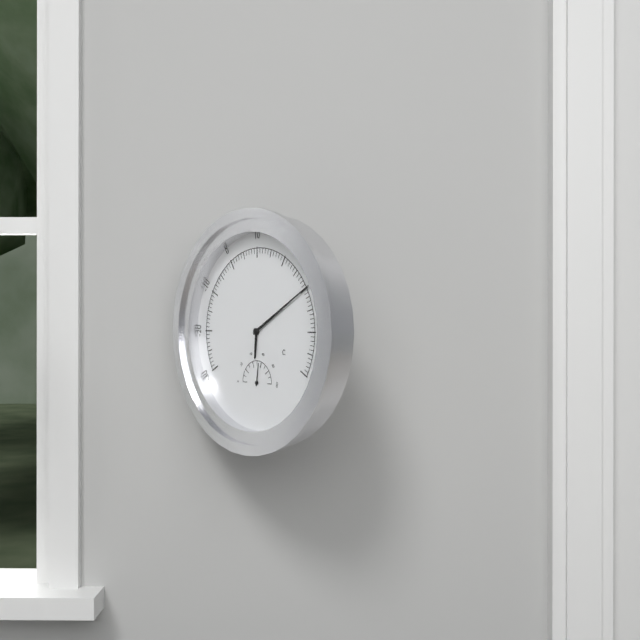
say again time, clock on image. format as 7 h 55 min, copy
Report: 6 h 10 min
